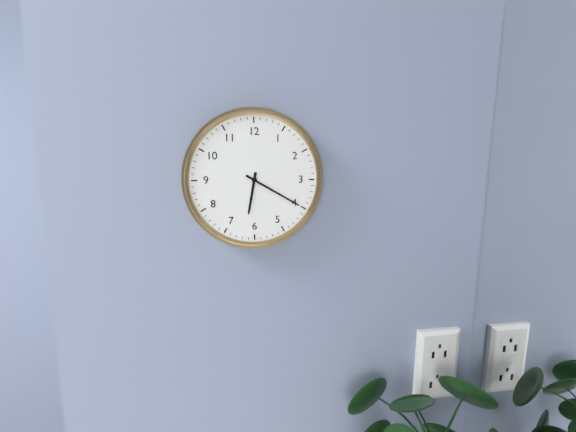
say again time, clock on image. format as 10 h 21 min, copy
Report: 6 h 20 min
